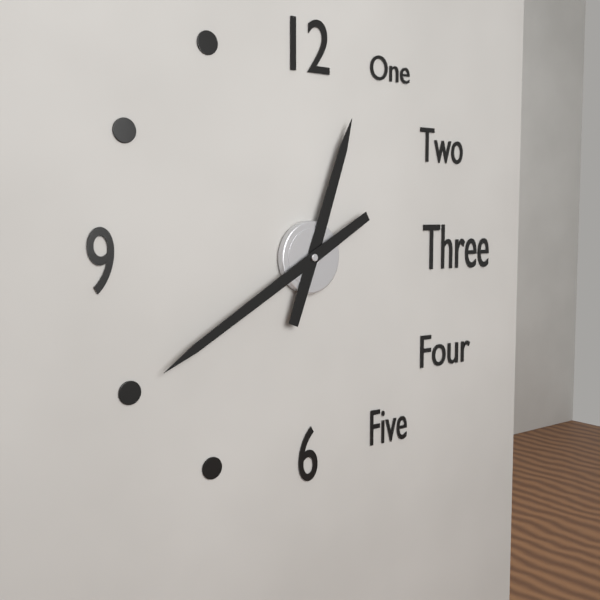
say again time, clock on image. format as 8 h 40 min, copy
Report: 12 h 40 min
